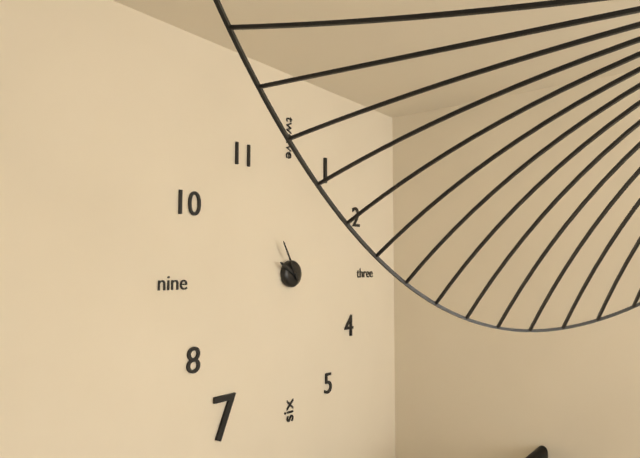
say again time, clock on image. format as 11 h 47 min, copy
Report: 9 h 55 min
